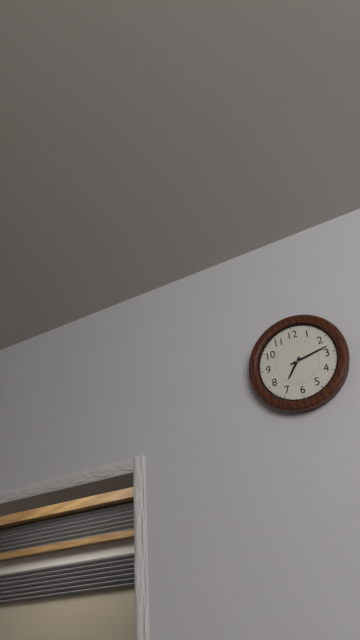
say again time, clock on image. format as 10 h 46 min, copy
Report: 7 h 13 min
